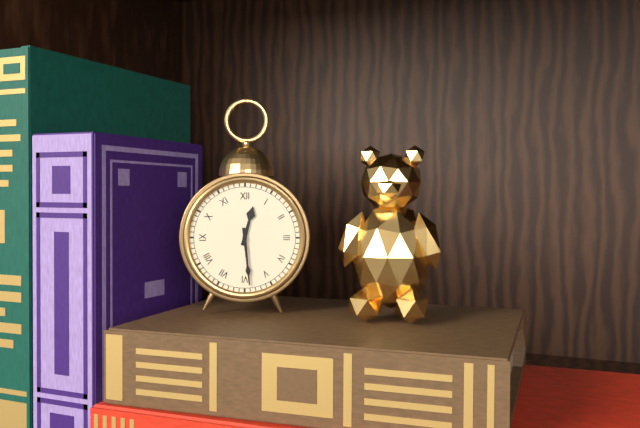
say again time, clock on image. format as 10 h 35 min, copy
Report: 12 h 29 min
